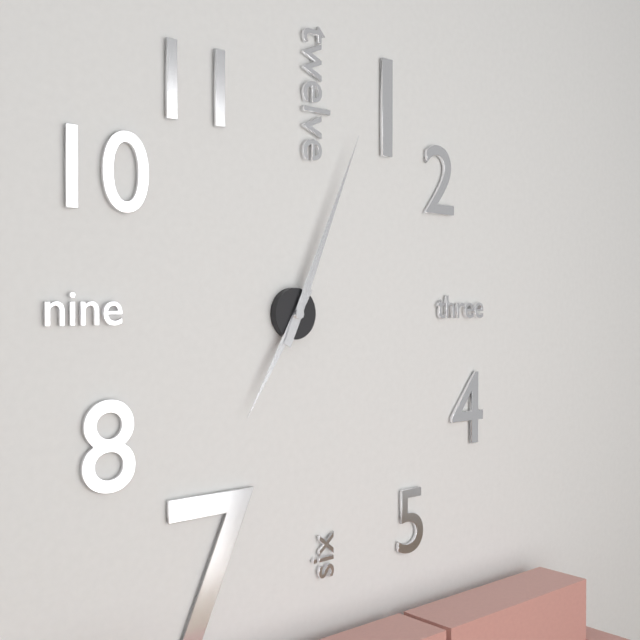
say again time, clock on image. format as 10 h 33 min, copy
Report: 7 h 04 min
